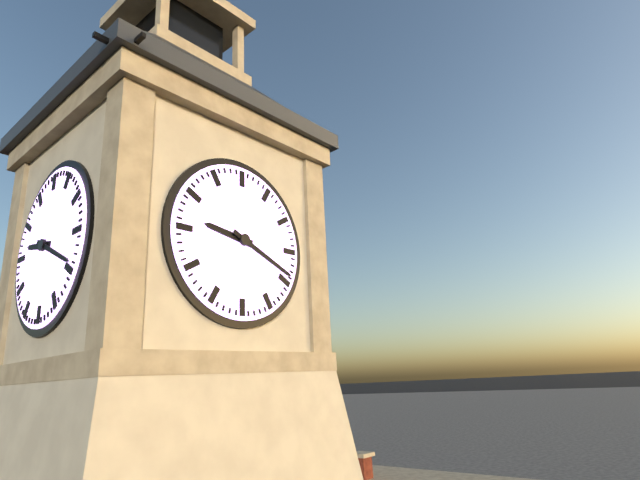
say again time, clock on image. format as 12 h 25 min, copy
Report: 9 h 19 min
